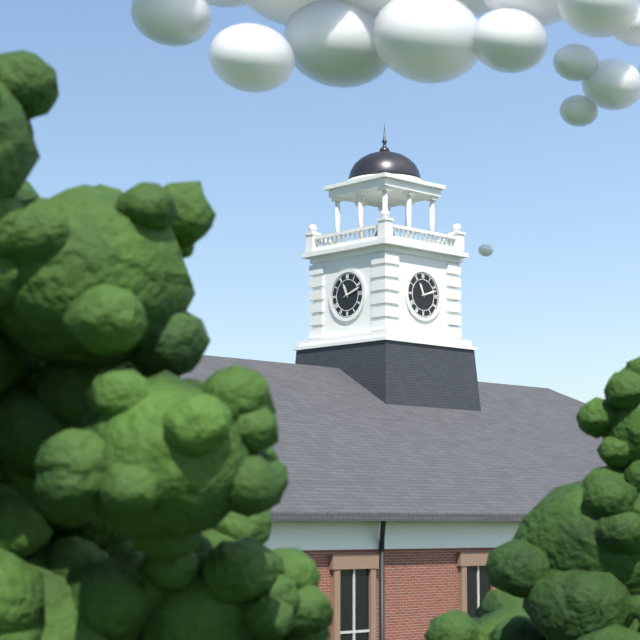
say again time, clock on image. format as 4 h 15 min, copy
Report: 11 h 12 min
